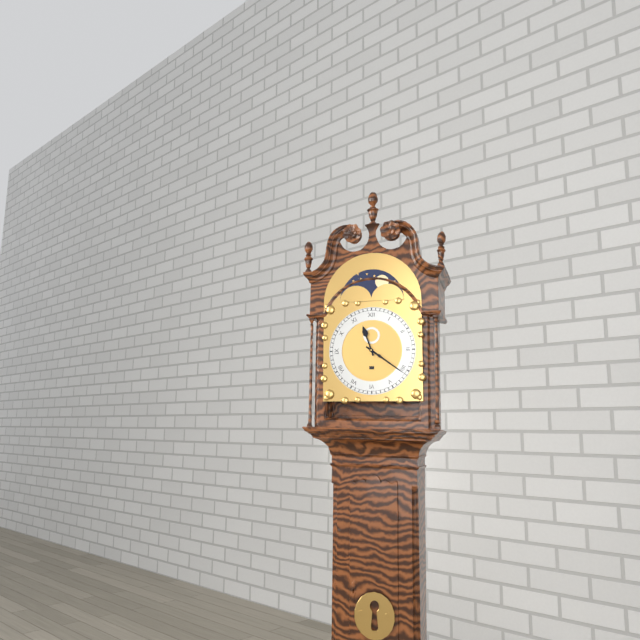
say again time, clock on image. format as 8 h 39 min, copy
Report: 11 h 21 min
